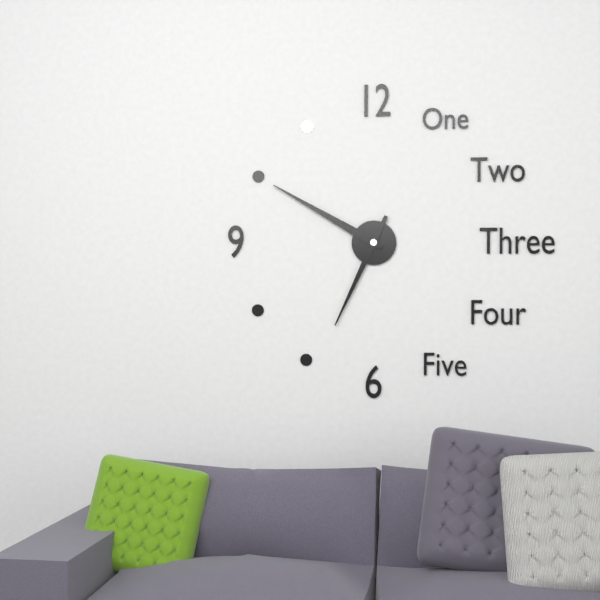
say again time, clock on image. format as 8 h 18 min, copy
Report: 6 h 50 min
